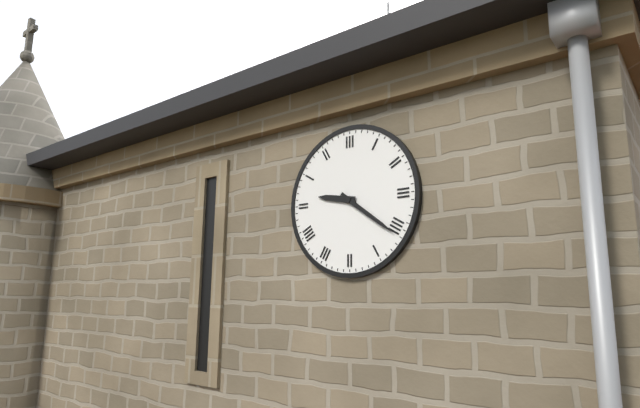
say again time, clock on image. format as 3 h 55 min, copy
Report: 9 h 21 min
